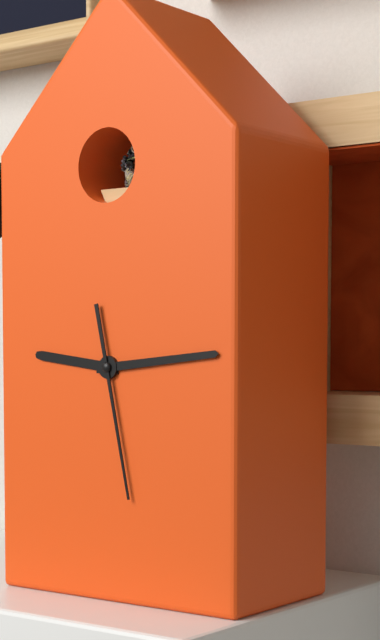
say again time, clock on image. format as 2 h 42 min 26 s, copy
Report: 9 h 14 min 28 s
